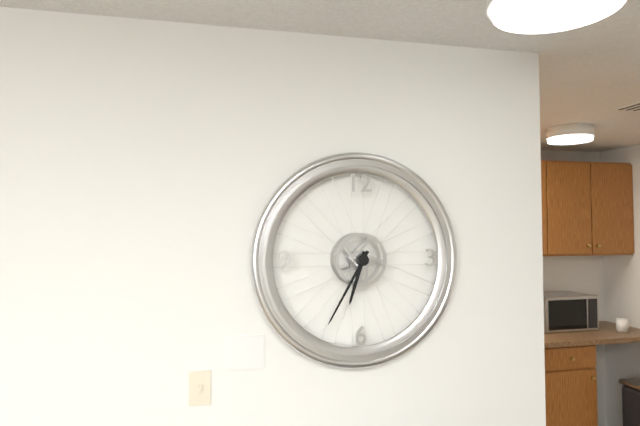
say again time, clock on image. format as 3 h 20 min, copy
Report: 6 h 35 min
